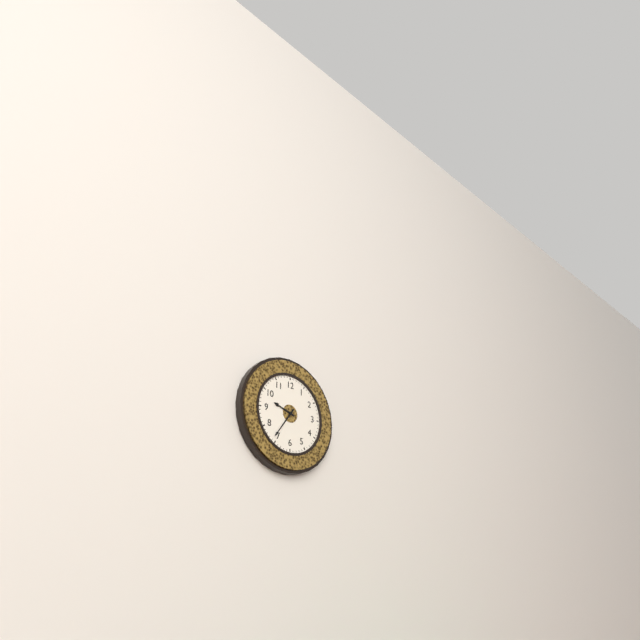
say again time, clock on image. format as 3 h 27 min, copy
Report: 9 h 36 min
